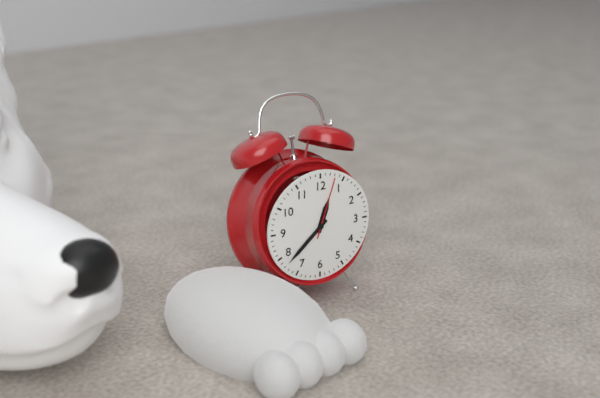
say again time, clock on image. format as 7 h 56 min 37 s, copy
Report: 12 h 38 min 03 s
